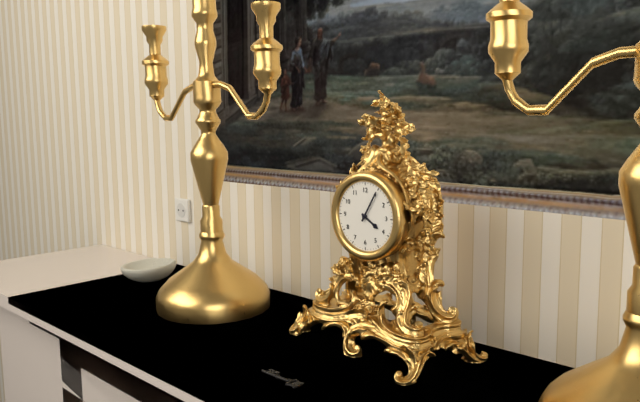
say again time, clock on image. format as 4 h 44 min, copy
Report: 4 h 05 min
